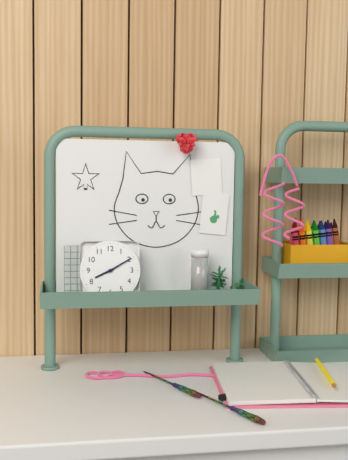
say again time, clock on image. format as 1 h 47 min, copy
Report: 8 h 10 min
